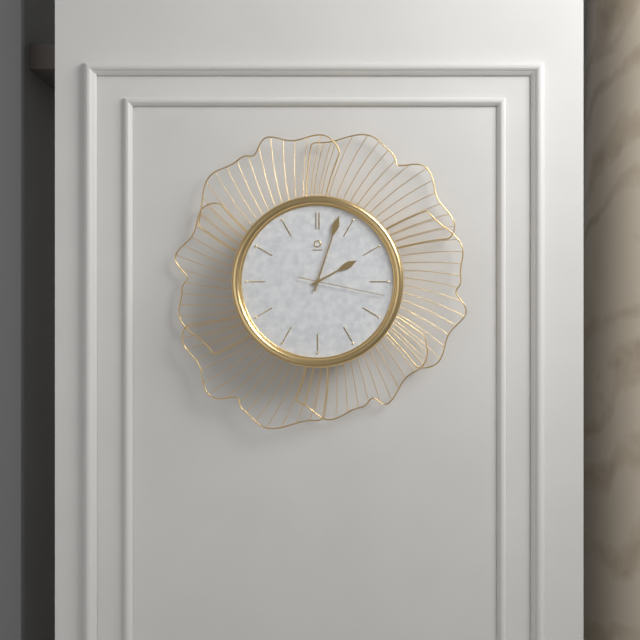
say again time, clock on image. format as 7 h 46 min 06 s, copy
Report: 2 h 03 min 17 s
